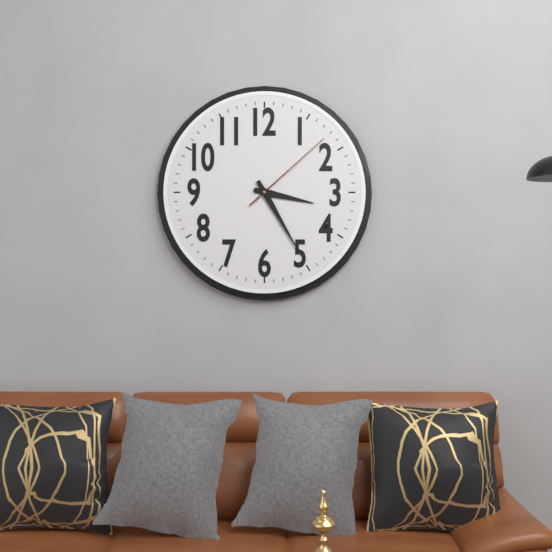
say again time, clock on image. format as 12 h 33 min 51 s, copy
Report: 3 h 25 min 08 s
